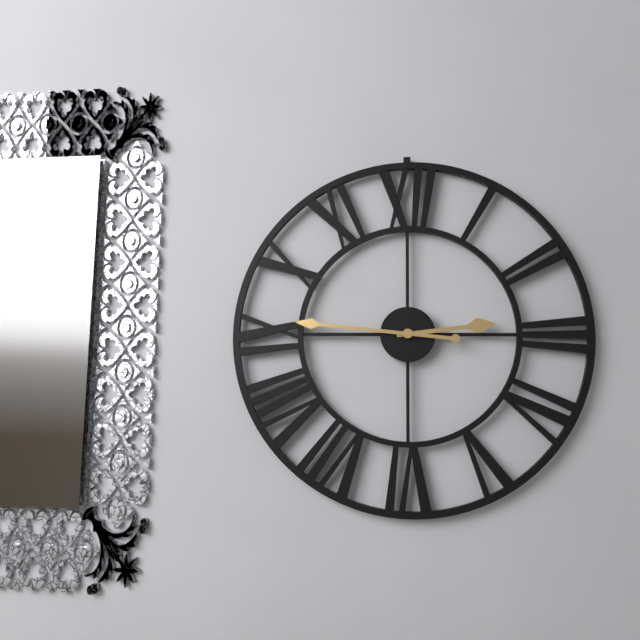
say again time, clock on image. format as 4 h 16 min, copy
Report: 2 h 46 min
